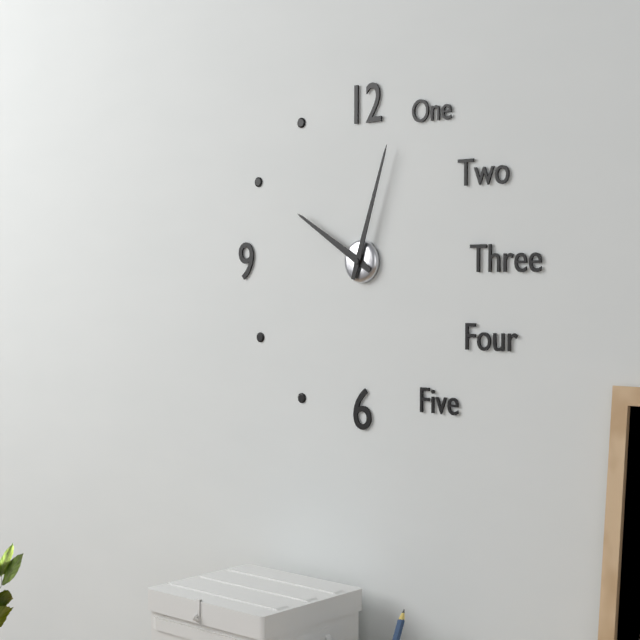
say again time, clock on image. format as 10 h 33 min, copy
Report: 10 h 03 min
